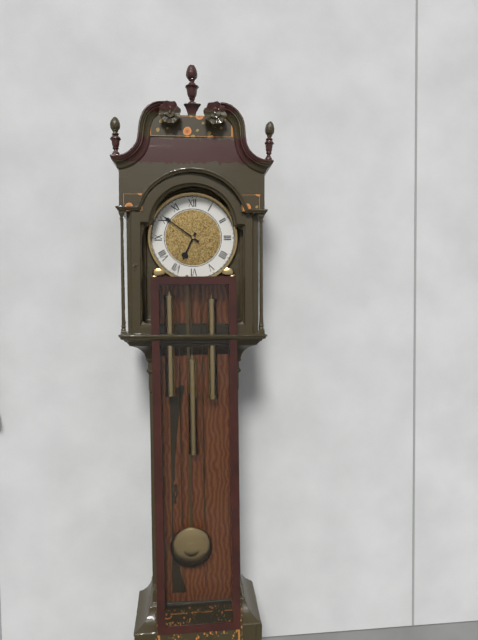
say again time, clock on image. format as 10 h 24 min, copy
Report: 6 h 51 min
